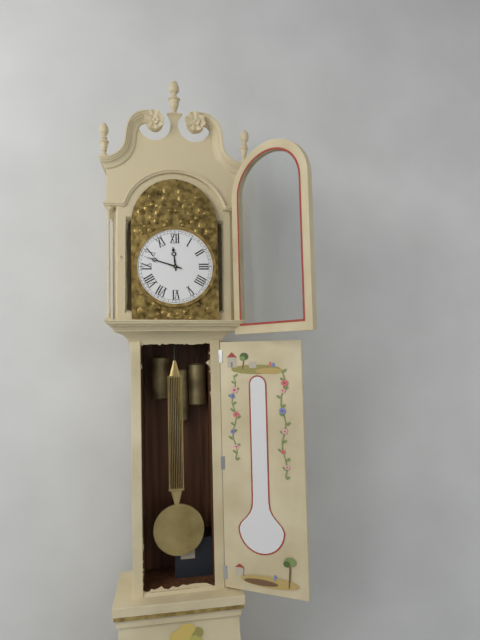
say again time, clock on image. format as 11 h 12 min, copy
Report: 11 h 48 min
